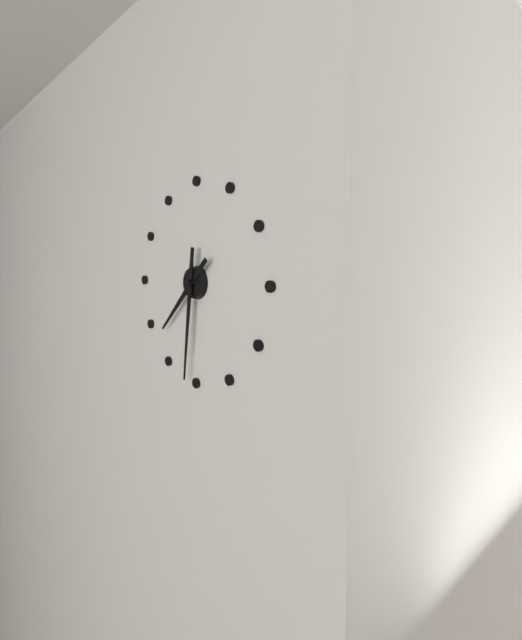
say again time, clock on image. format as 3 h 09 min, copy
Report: 7 h 31 min
